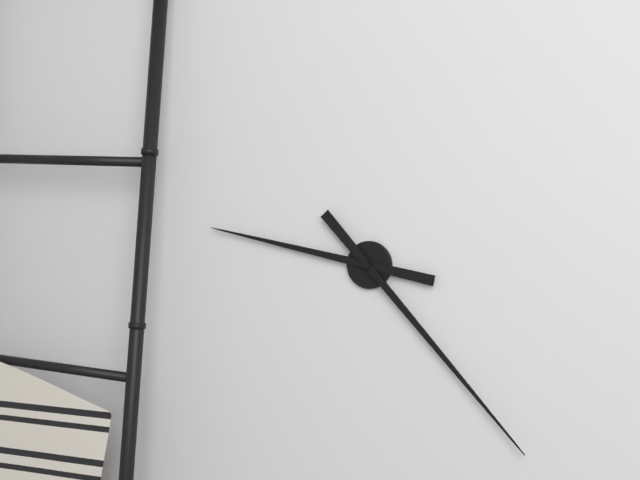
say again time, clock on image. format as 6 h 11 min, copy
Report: 9 h 23 min
